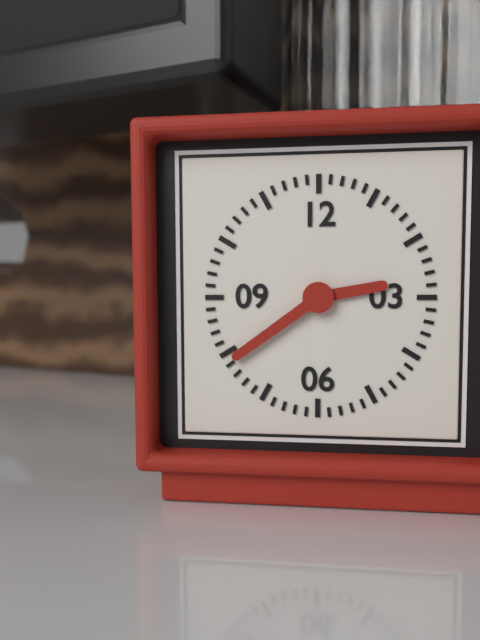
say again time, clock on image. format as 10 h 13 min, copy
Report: 2 h 39 min
